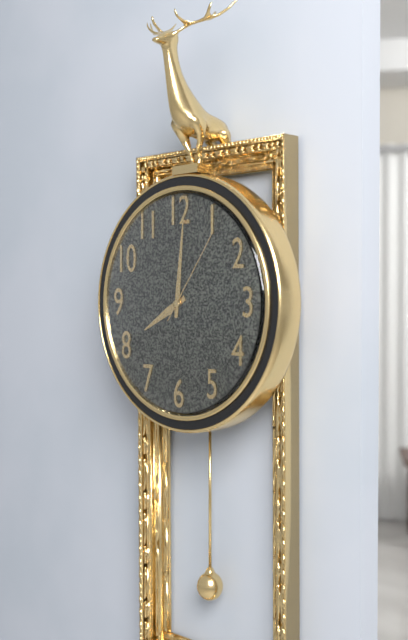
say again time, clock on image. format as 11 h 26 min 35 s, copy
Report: 8 h 01 min 06 s
